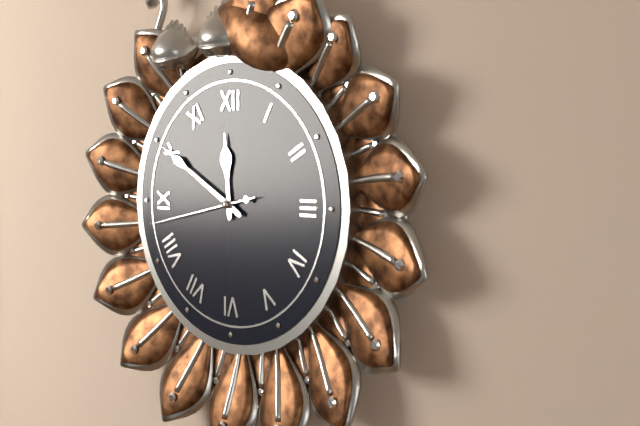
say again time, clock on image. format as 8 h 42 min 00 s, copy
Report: 11 h 50 min 43 s
